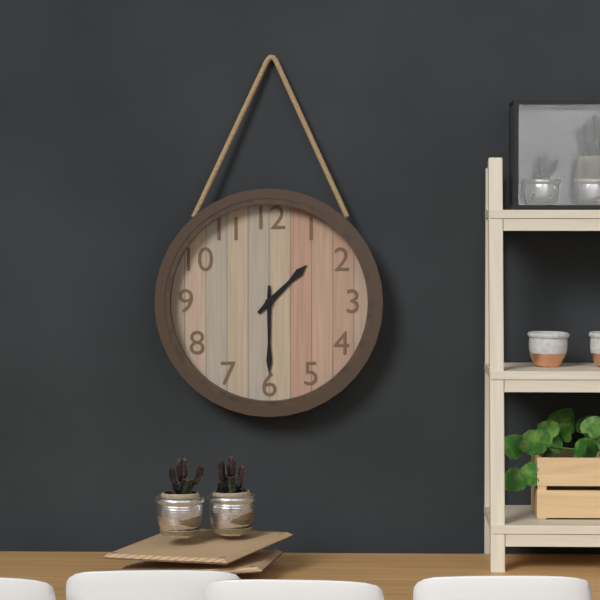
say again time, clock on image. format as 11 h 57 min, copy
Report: 1 h 30 min
